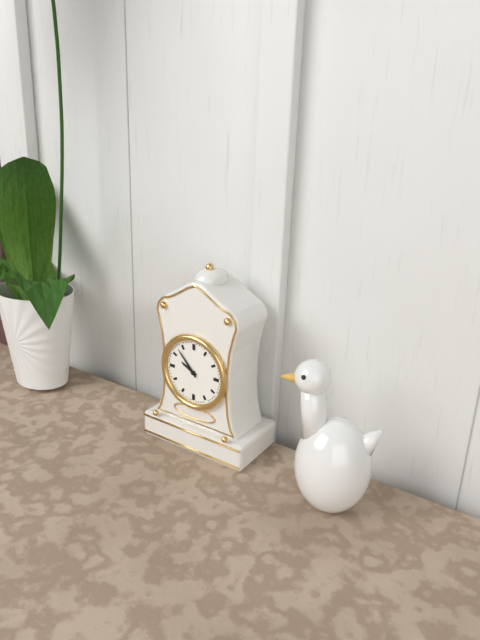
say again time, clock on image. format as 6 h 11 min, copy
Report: 9 h 53 min
